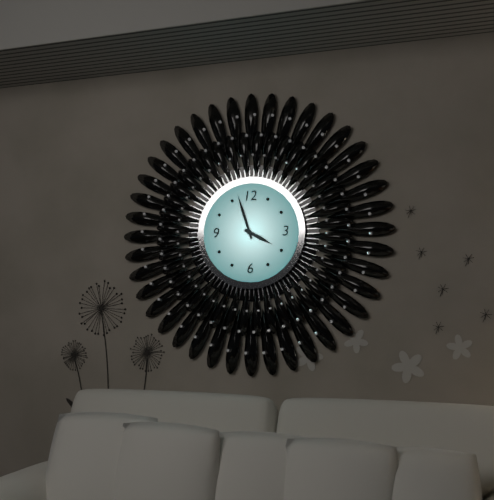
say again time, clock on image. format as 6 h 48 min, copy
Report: 3 h 57 min
